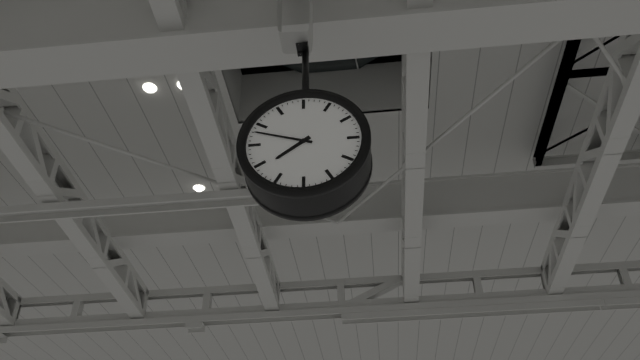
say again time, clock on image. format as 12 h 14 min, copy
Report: 7 h 48 min
